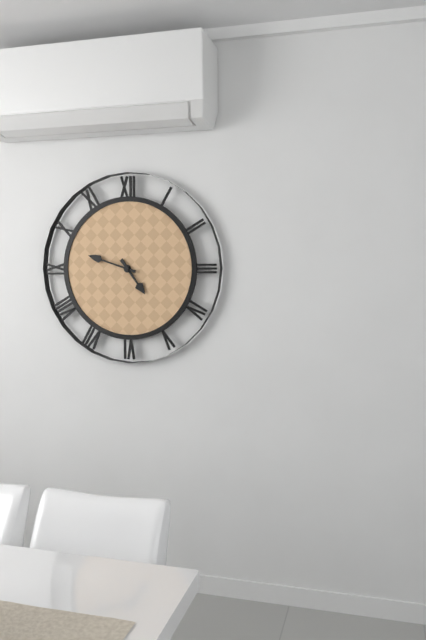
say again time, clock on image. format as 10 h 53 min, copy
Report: 4 h 48 min
